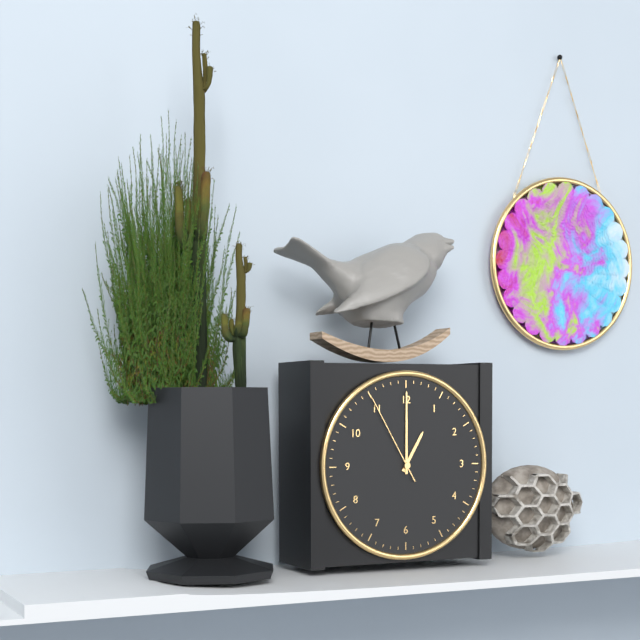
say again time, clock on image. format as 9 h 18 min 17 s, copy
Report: 1 h 00 min 55 s
